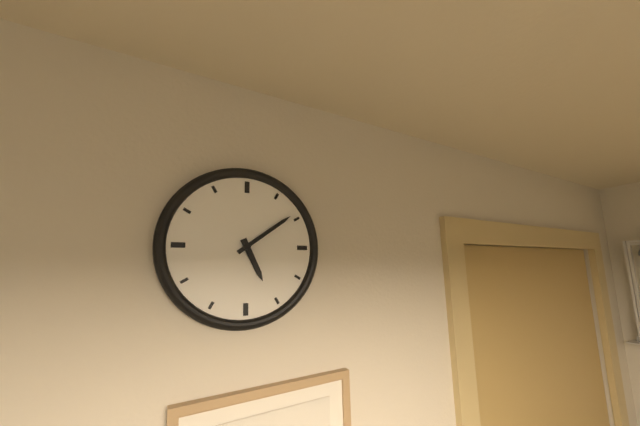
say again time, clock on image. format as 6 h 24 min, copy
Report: 5 h 09 min
